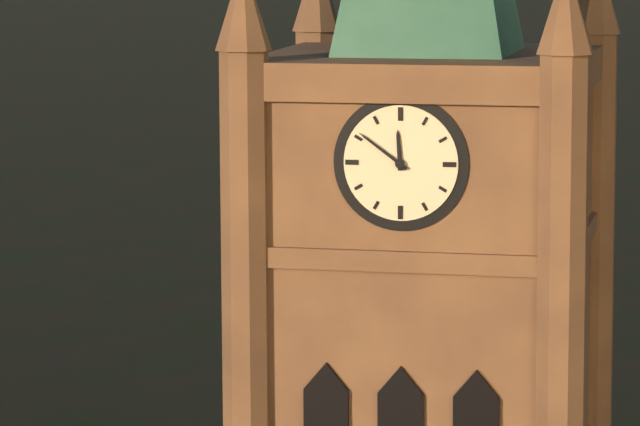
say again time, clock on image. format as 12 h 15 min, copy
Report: 11 h 51 min
